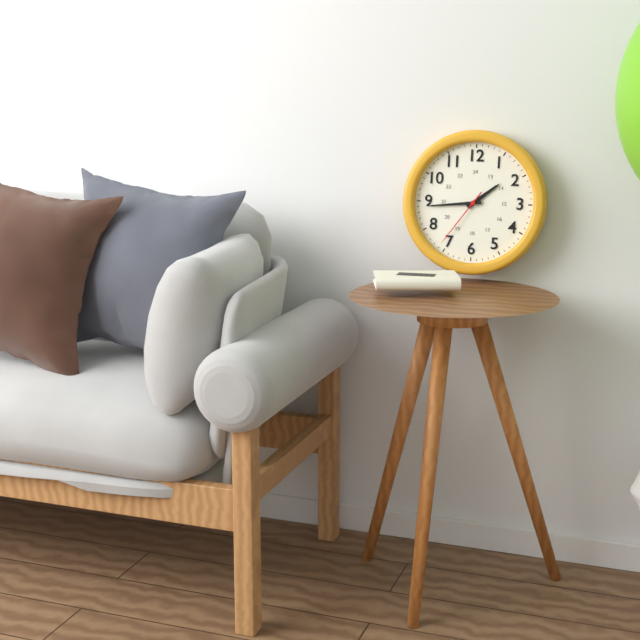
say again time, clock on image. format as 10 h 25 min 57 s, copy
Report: 1 h 44 min 36 s
